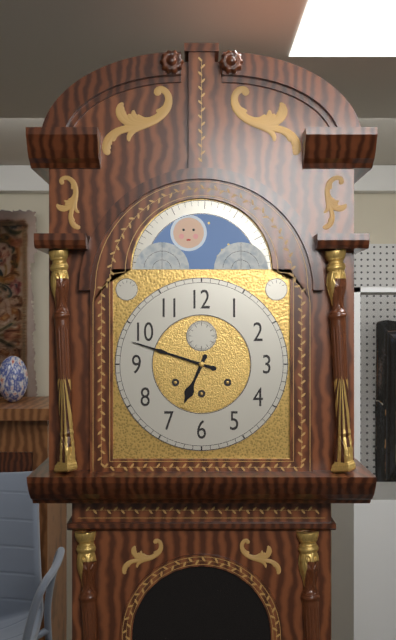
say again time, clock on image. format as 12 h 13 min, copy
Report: 6 h 48 min
